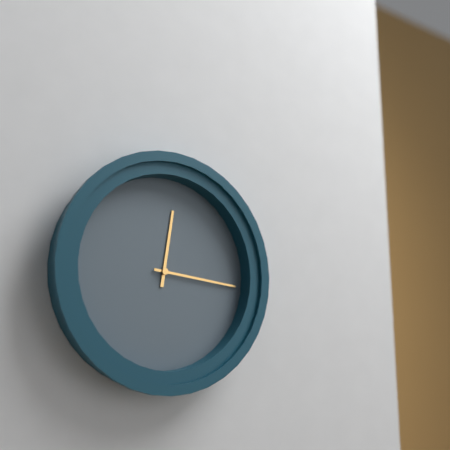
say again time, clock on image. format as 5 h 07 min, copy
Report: 12 h 16 min
